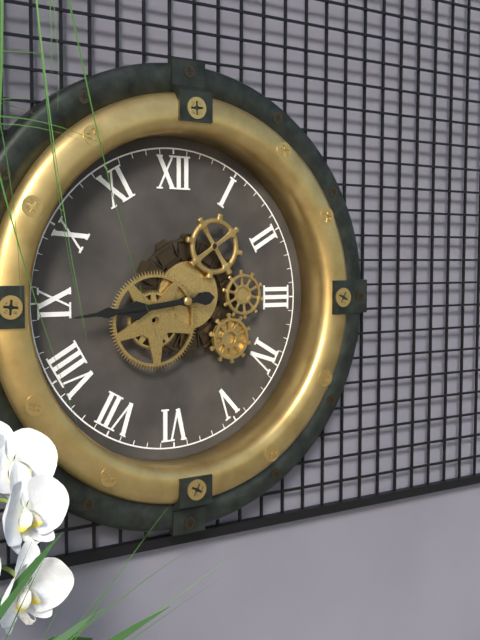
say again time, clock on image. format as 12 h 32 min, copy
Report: 8 h 44 min
